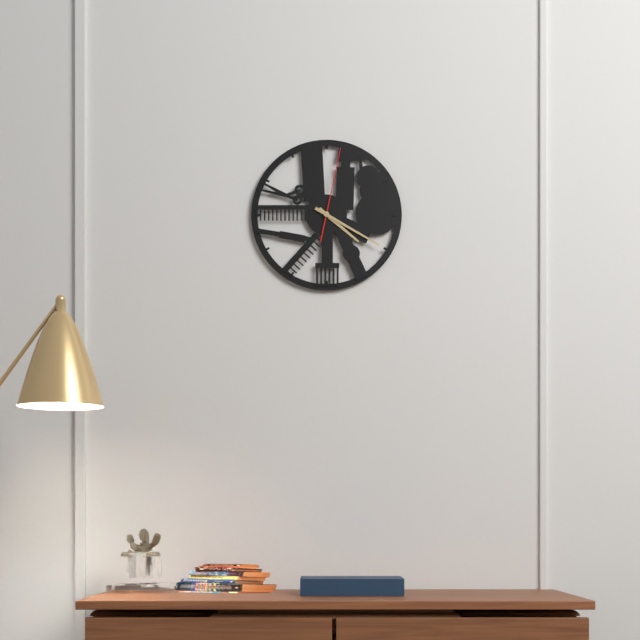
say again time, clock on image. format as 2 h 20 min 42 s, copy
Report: 4 h 20 min 02 s
